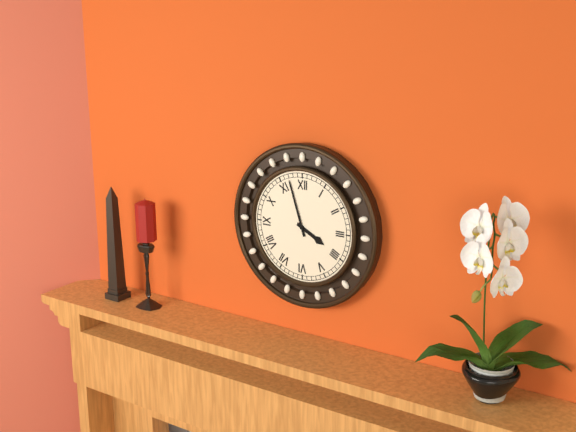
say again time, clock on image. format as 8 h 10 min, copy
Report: 3 h 57 min
